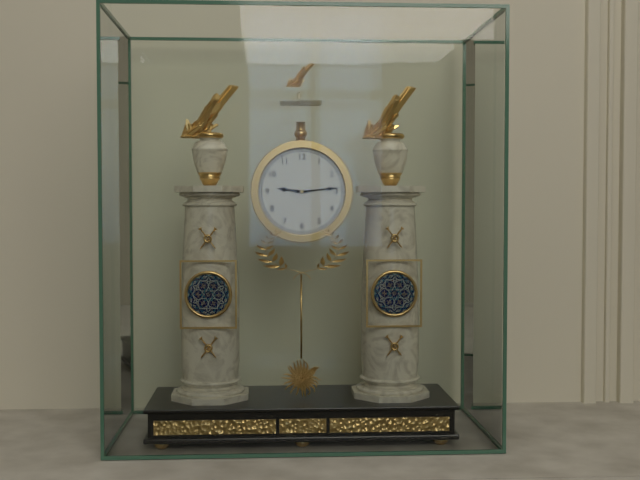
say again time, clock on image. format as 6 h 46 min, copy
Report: 9 h 14 min
